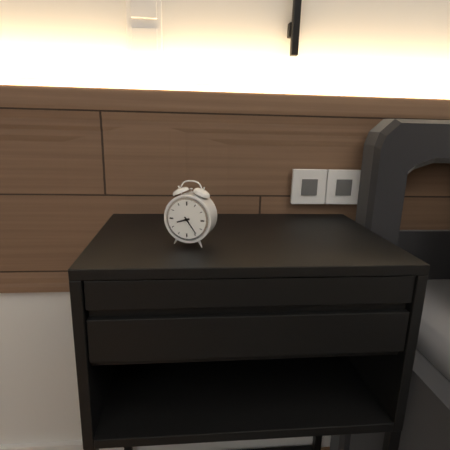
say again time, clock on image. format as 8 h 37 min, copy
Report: 8 h 24 min
